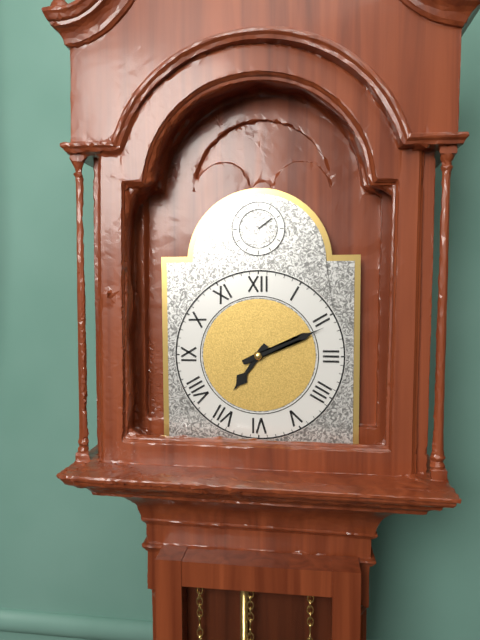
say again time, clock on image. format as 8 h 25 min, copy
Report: 7 h 11 min
